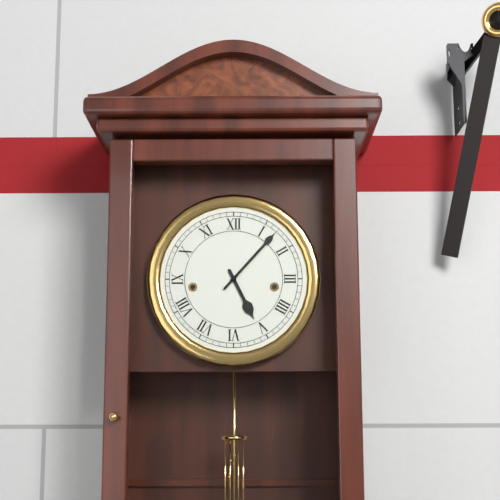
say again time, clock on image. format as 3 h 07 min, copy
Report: 5 h 07 min
